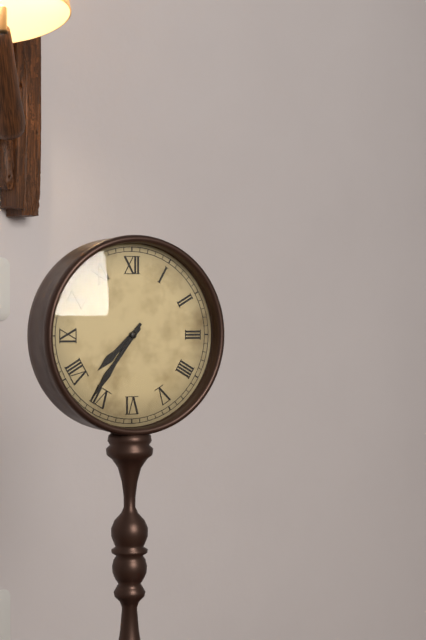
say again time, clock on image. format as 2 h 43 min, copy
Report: 7 h 36 min
